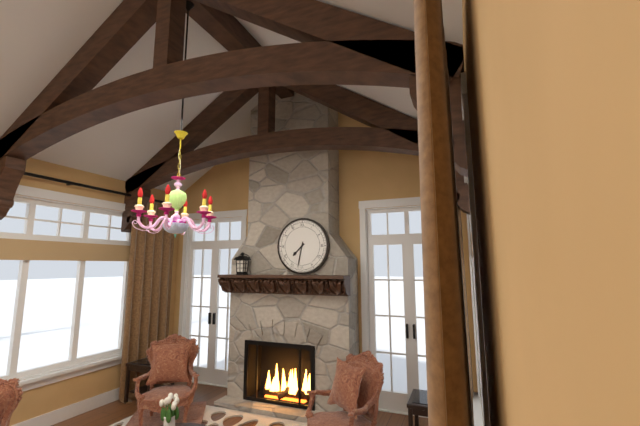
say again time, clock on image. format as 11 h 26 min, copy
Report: 7 h 32 min
